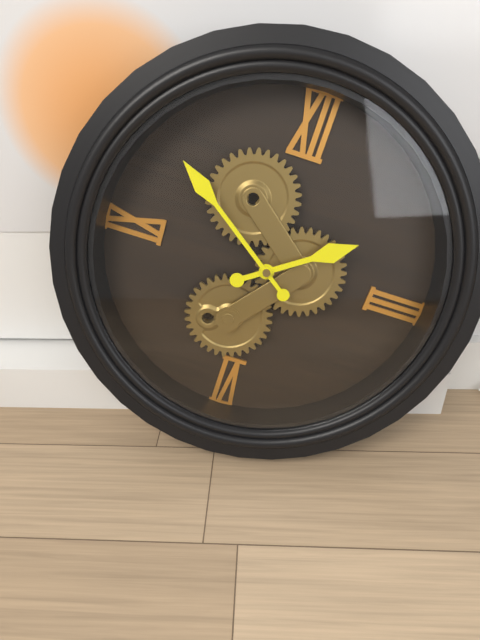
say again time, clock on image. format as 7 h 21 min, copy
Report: 1 h 51 min
